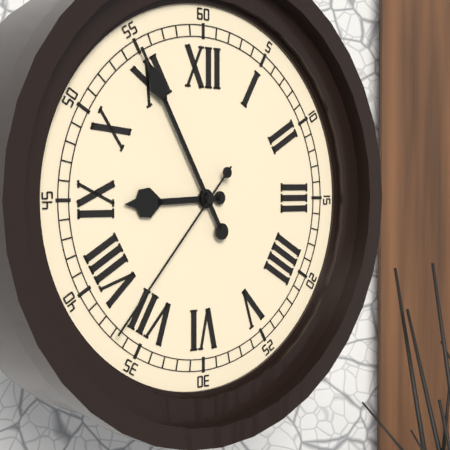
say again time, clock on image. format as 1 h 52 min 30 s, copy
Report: 8 h 55 min 37 s
